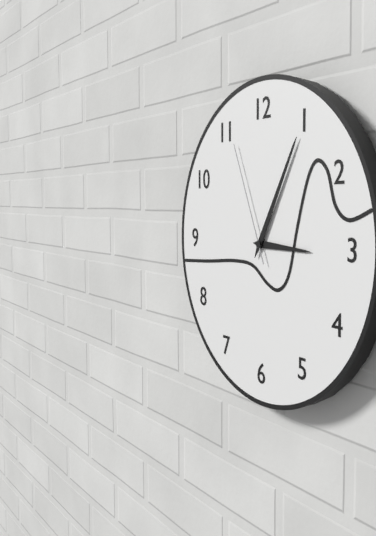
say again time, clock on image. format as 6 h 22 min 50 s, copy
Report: 3 h 05 min 56 s
